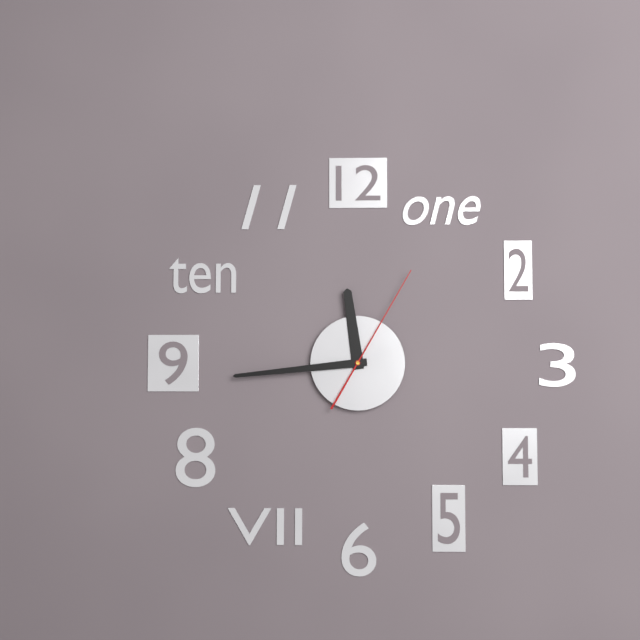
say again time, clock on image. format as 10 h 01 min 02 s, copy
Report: 11 h 44 min 05 s
